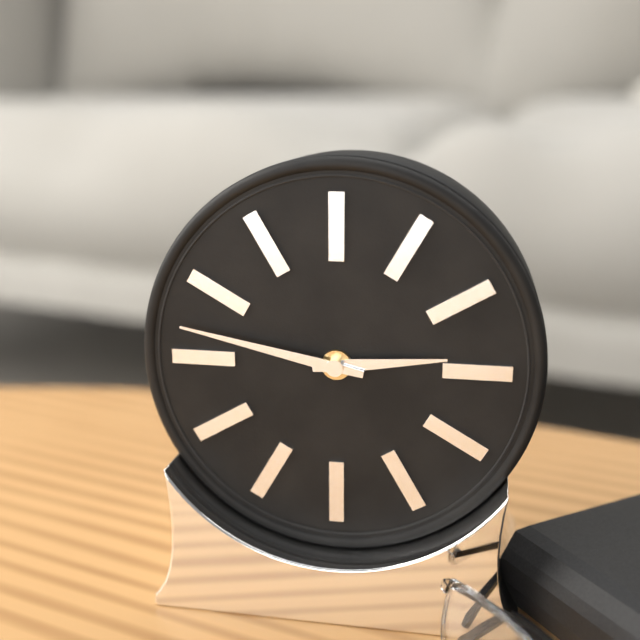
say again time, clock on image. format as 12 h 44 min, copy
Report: 2 h 47 min
